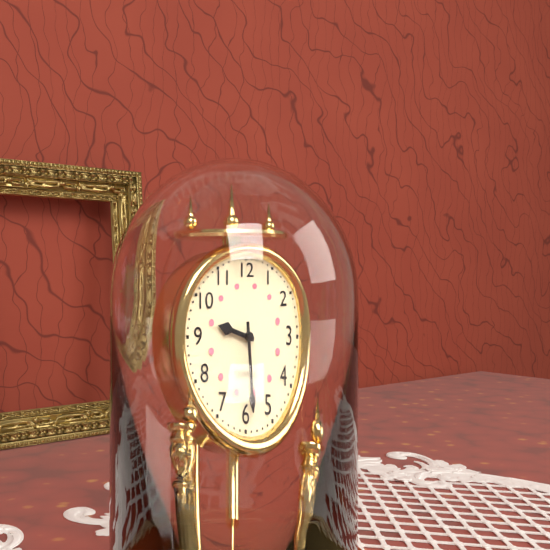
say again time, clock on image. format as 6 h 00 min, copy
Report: 9 h 29 min
